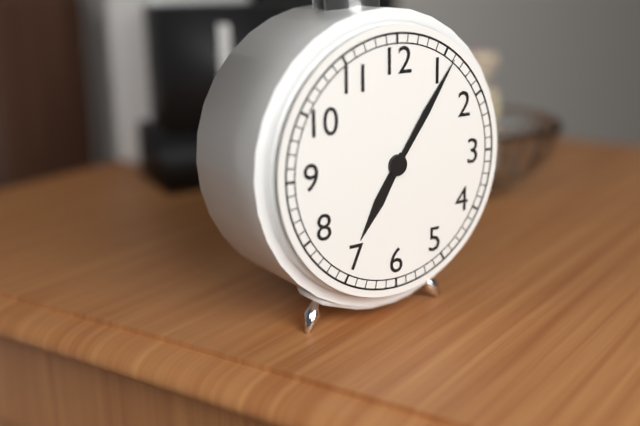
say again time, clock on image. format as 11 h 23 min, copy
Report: 7 h 06 min
